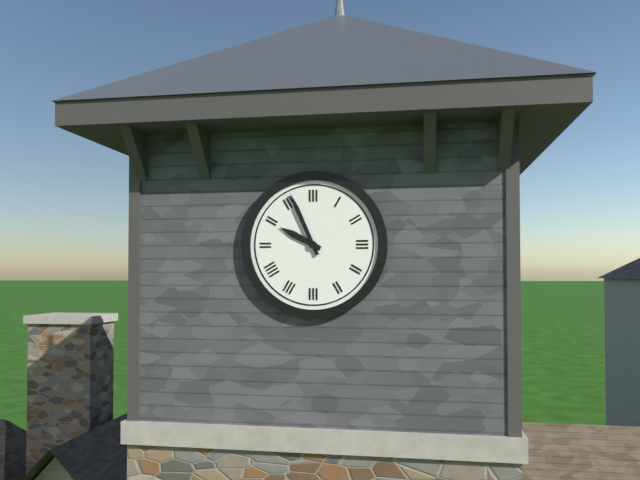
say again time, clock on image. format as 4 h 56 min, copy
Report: 9 h 56 min
